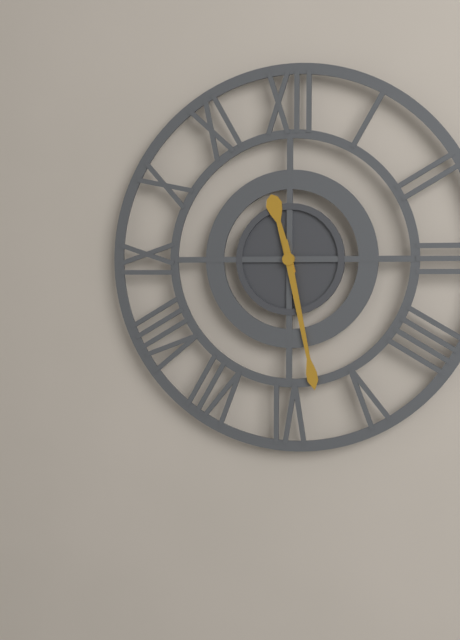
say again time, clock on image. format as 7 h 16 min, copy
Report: 11 h 28 min
